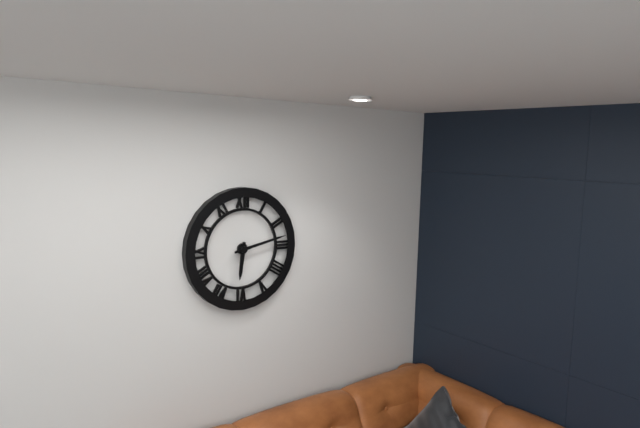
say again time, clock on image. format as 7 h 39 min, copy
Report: 6 h 13 min
